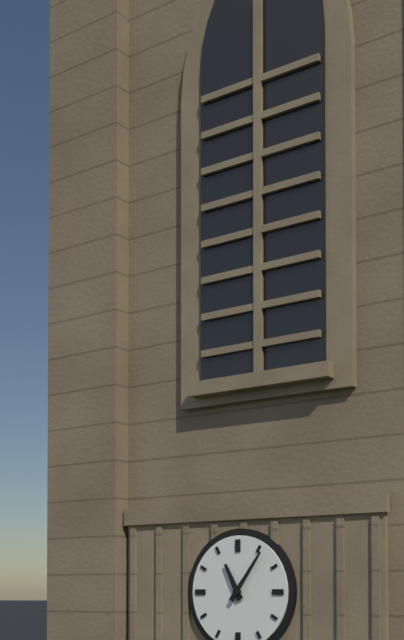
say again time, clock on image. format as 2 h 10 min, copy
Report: 11 h 06 min
